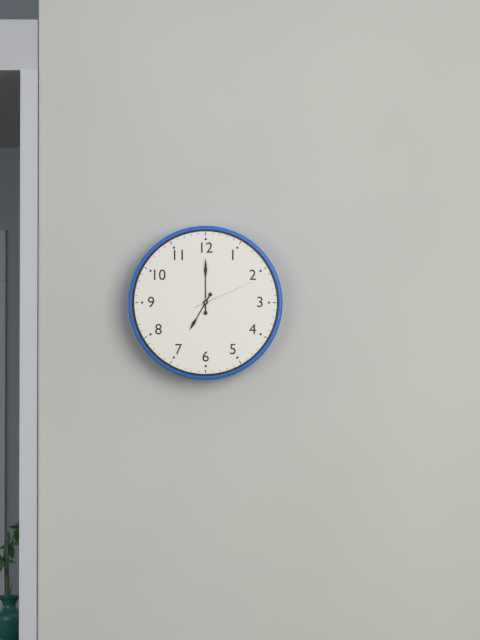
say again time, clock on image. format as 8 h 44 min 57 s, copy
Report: 7 h 00 min 11 s
